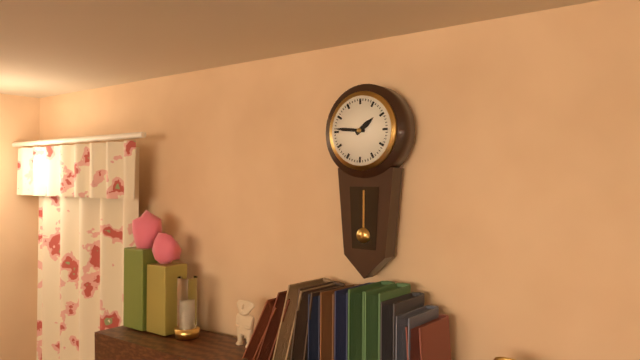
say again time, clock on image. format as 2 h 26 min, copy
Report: 1 h 46 min
